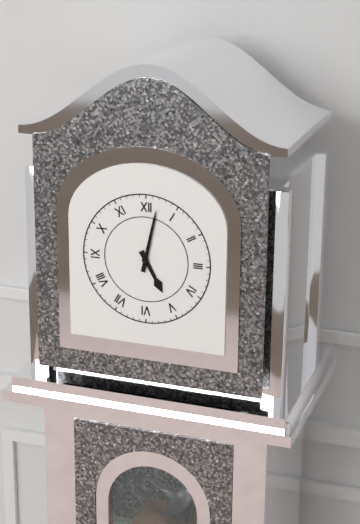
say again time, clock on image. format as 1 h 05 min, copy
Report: 5 h 02 min
